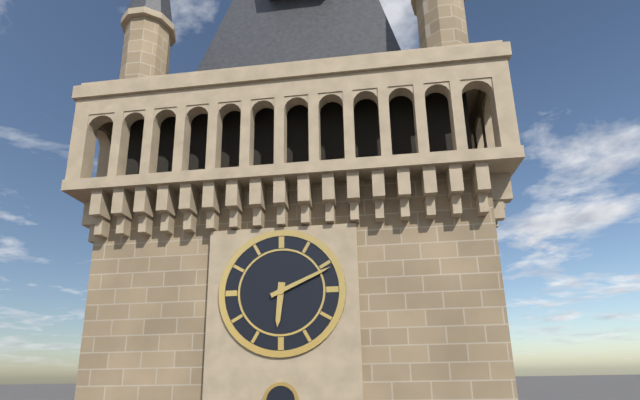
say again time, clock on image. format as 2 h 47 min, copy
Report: 6 h 11 min
